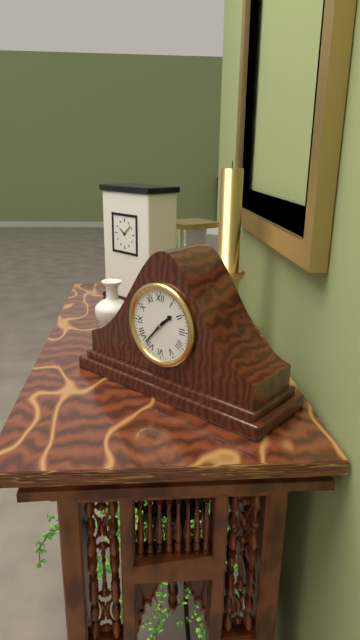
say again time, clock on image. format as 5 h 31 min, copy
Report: 1 h 37 min
